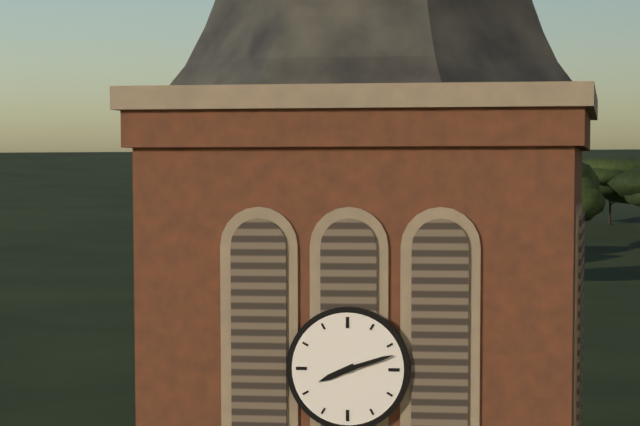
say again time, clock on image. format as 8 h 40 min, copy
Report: 8 h 12 min
